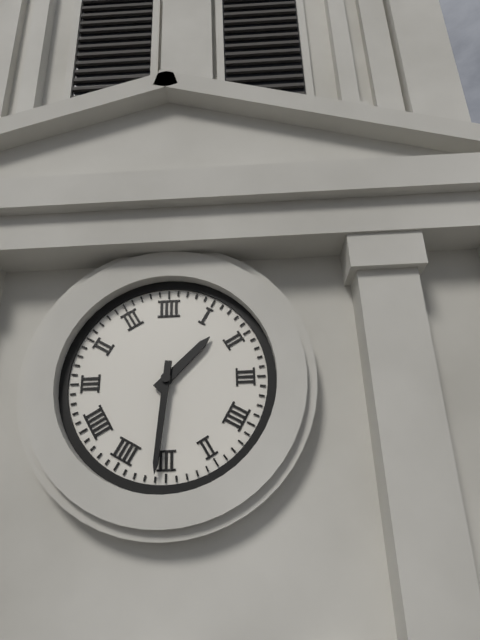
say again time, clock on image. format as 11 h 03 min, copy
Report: 1 h 31 min
